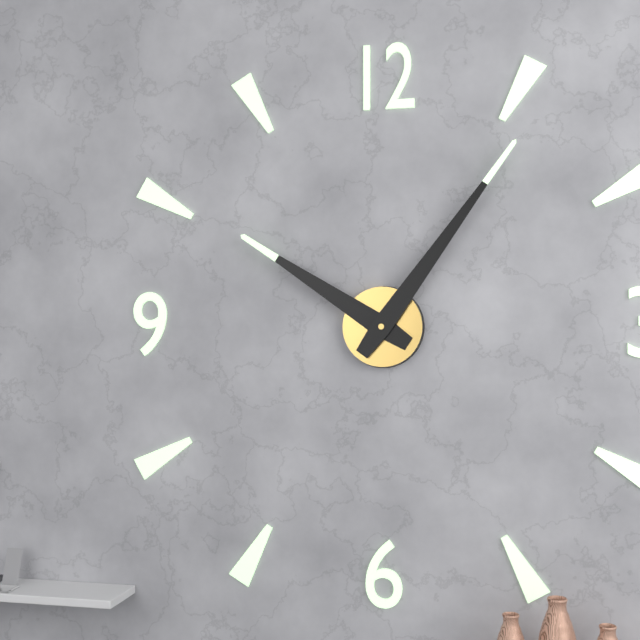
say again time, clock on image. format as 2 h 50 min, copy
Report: 10 h 06 min
